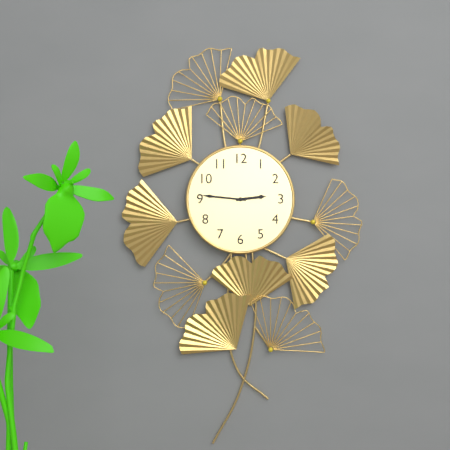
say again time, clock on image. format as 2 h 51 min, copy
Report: 2 h 46 min
